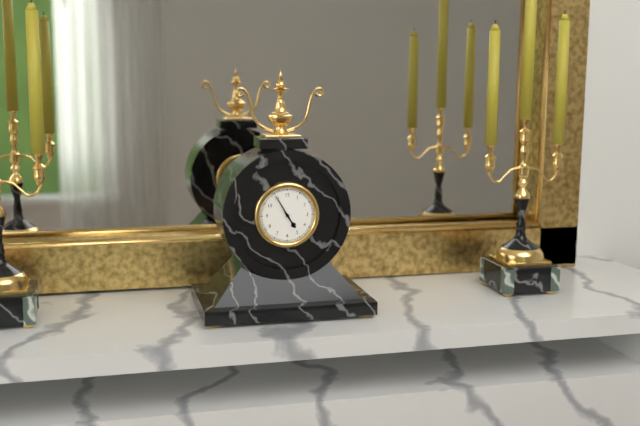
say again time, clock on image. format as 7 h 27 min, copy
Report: 4 h 55 min
